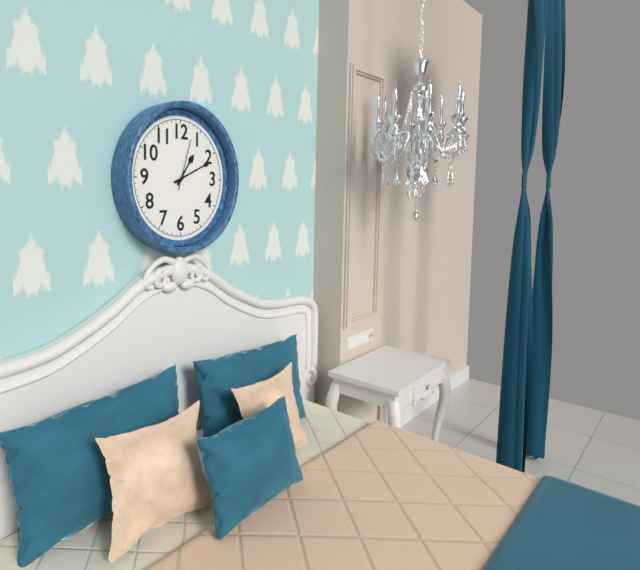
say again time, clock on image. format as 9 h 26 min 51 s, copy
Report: 1 h 11 min 03 s
